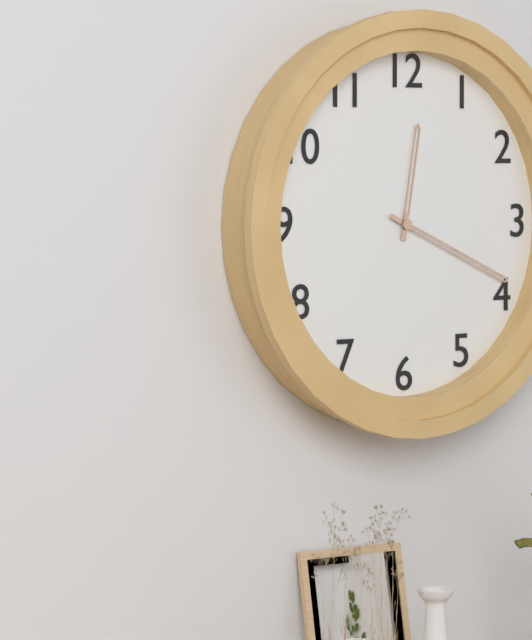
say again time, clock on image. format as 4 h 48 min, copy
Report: 12 h 19 min
